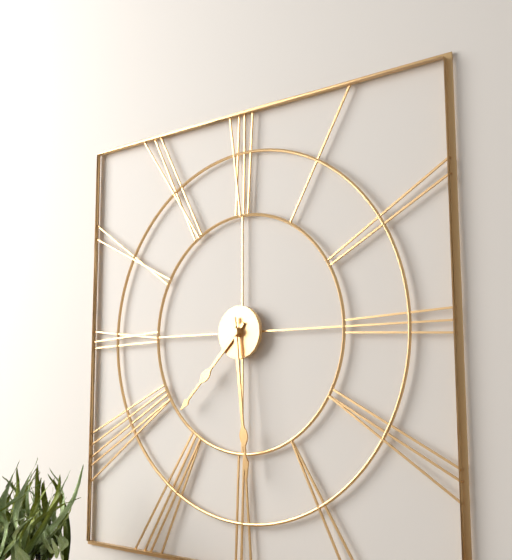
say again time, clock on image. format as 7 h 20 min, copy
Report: 7 h 29 min
